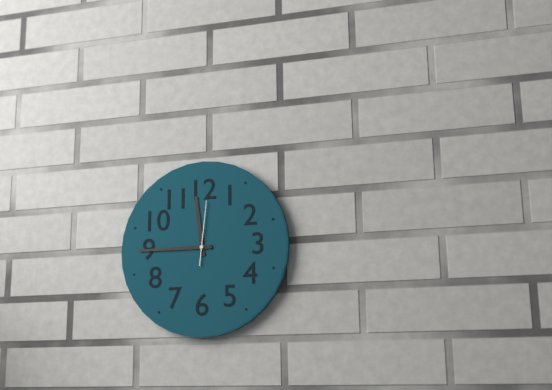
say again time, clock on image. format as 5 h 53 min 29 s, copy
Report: 11 h 45 min 01 s
